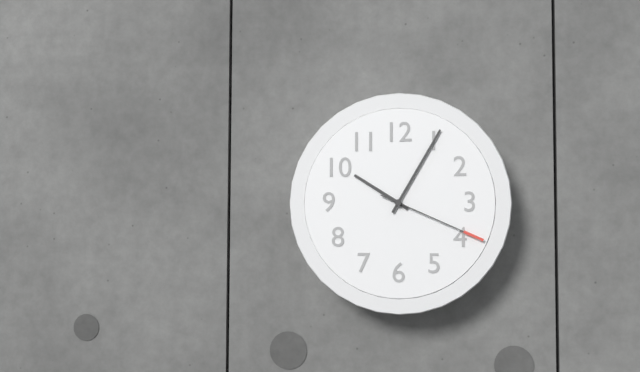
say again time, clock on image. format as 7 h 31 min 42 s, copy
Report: 10 h 05 min 19 s
